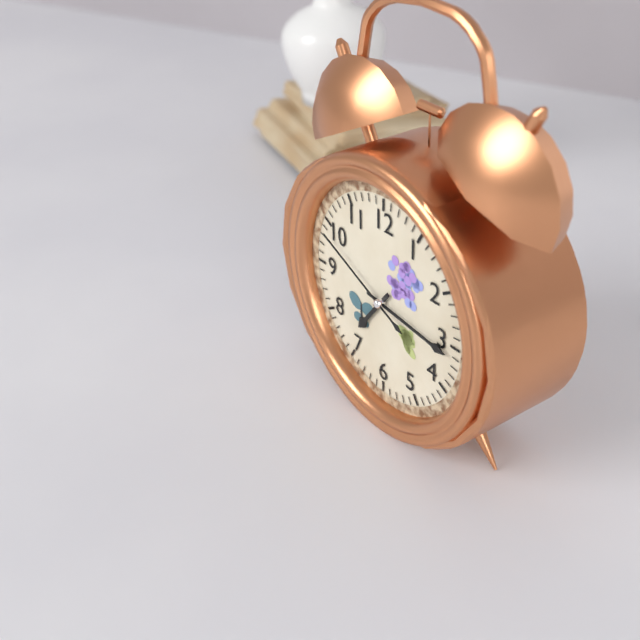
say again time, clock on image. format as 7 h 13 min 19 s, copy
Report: 7 h 16 min 49 s
